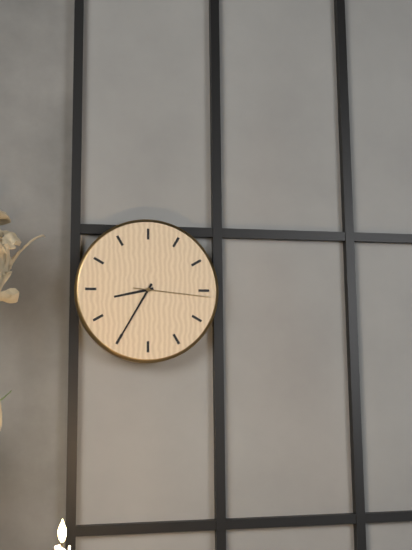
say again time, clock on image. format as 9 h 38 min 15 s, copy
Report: 8 h 35 min 16 s
